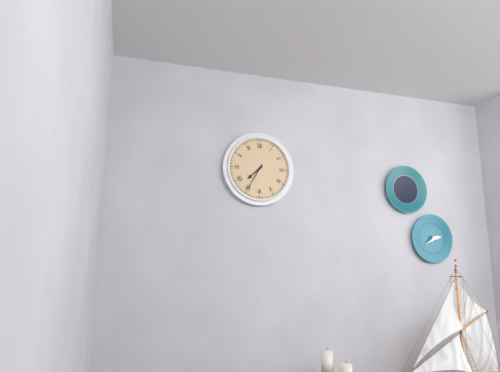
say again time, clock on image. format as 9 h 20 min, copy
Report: 7 h 35 min
